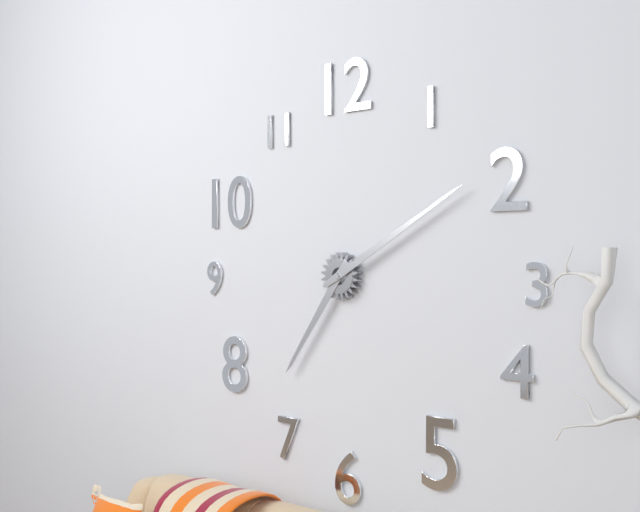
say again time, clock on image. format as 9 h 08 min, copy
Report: 7 h 10 min
